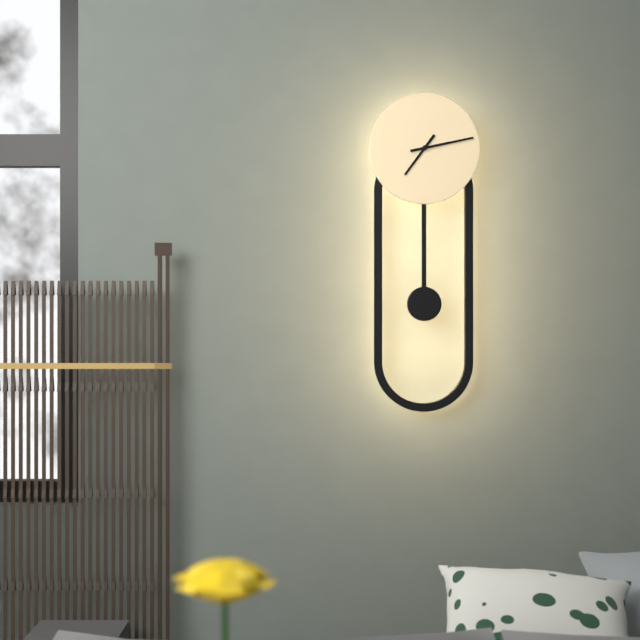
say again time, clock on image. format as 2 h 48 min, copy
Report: 7 h 13 min
